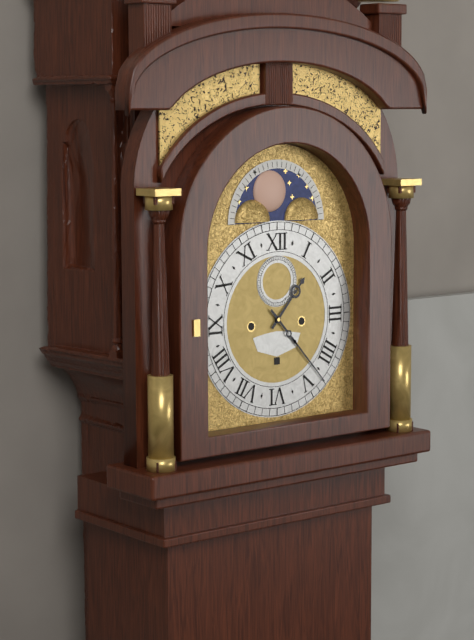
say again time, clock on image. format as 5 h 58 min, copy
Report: 1 h 23 min
